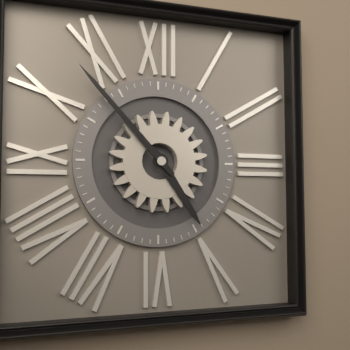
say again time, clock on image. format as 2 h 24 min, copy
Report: 4 h 53 min
